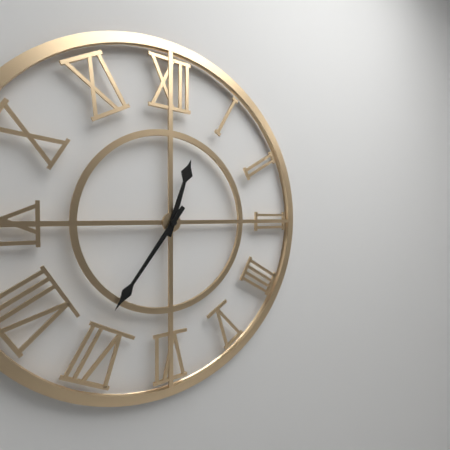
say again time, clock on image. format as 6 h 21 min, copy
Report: 12 h 36 min
